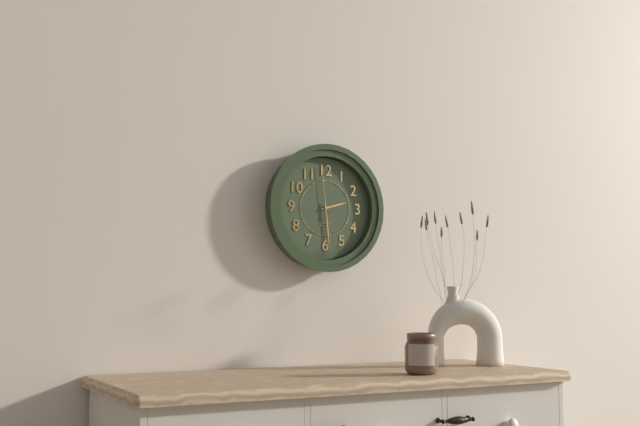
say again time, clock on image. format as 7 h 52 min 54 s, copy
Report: 2 h 29 min 59 s
